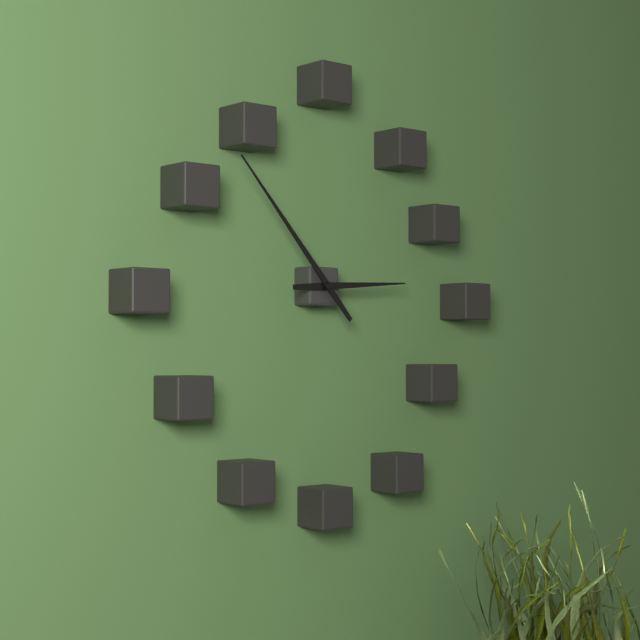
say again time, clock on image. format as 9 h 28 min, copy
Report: 2 h 53 min
